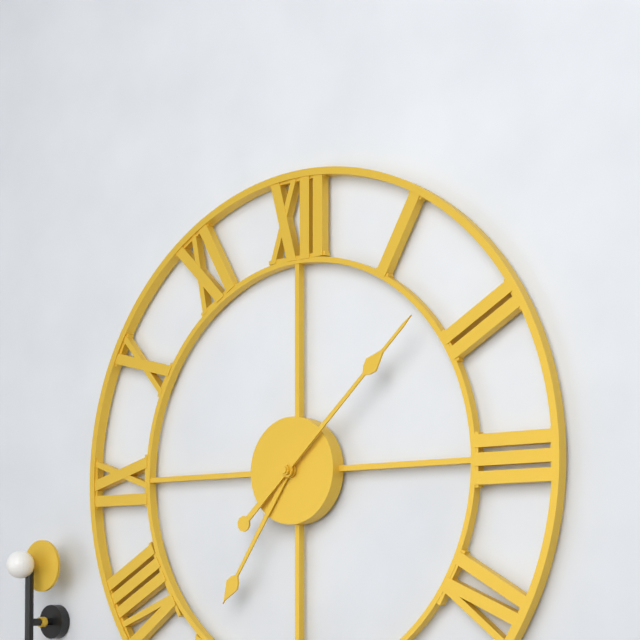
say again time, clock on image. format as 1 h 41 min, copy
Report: 7 h 08 min
